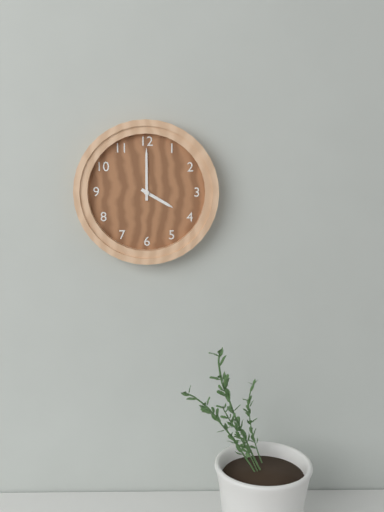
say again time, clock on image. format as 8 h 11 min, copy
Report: 4 h 00 min
